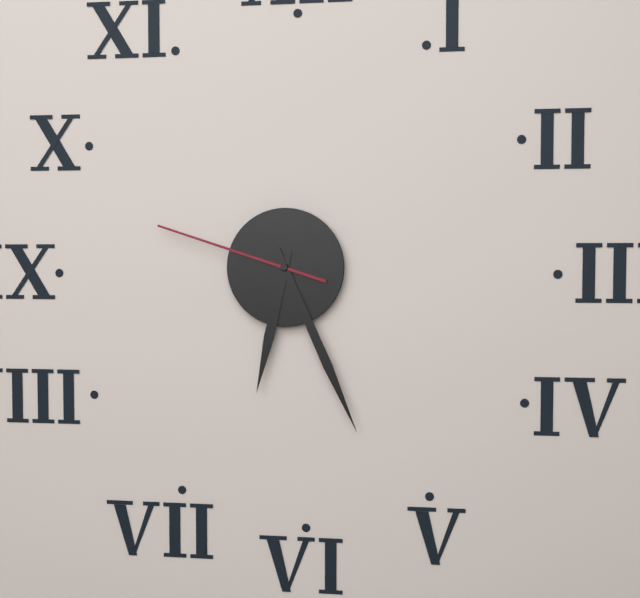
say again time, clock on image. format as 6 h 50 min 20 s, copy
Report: 6 h 26 min 48 s
